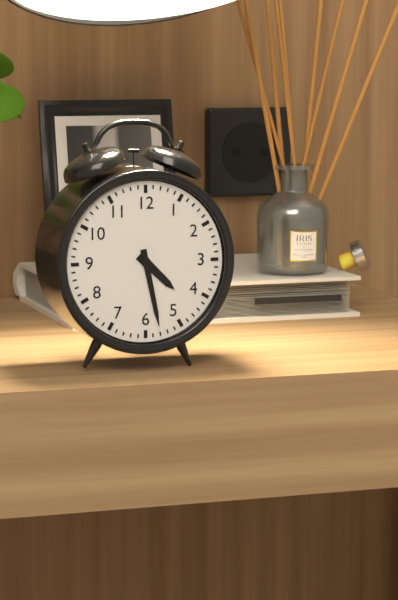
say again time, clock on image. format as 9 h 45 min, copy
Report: 4 h 28 min
